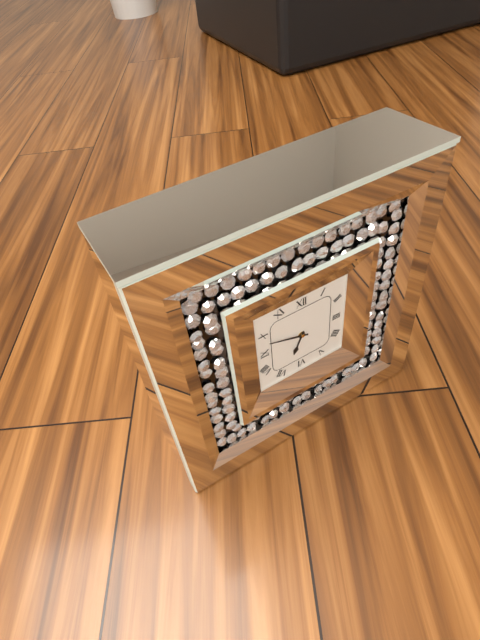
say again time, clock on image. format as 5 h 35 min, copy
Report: 6 h 48 min
